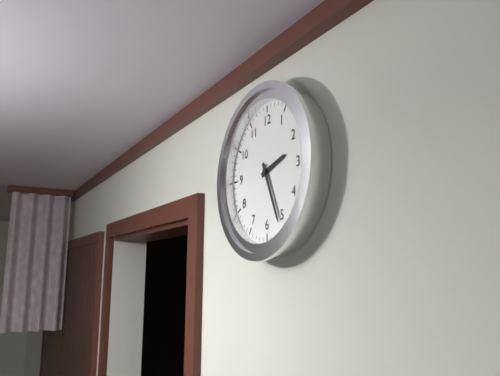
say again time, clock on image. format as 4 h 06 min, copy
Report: 2 h 26 min
